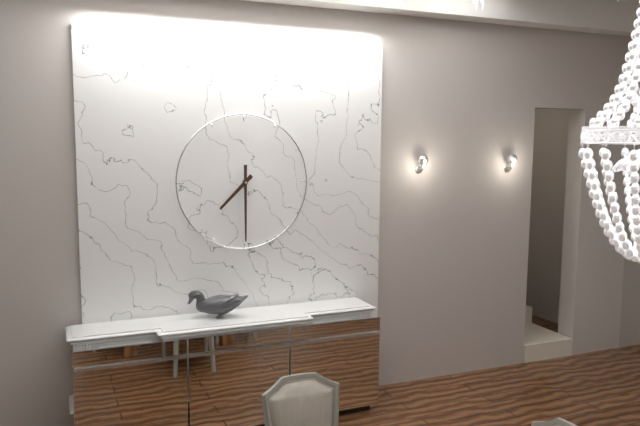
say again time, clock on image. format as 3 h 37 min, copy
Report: 7 h 30 min
